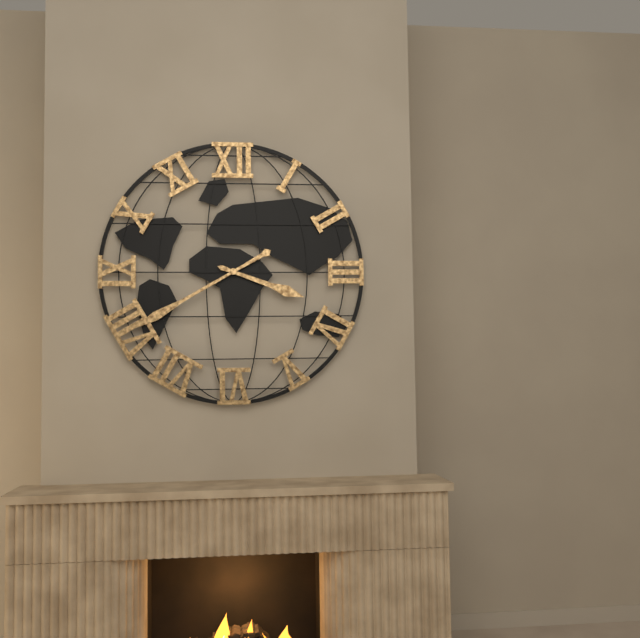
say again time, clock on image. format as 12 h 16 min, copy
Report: 3 h 40 min
